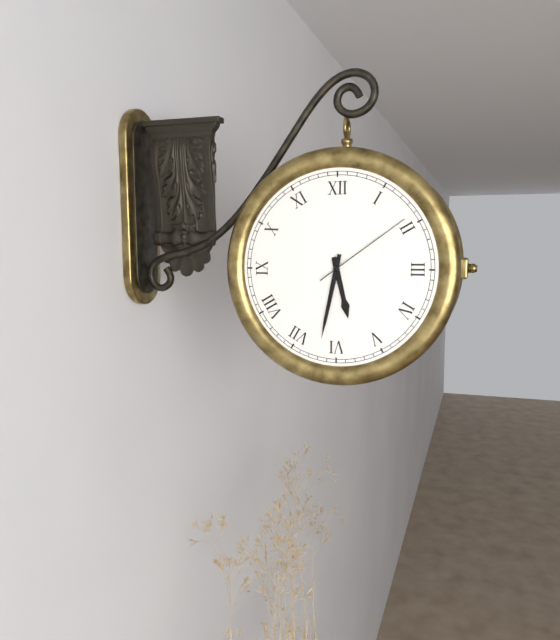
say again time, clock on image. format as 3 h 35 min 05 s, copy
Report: 5 h 32 min 09 s
